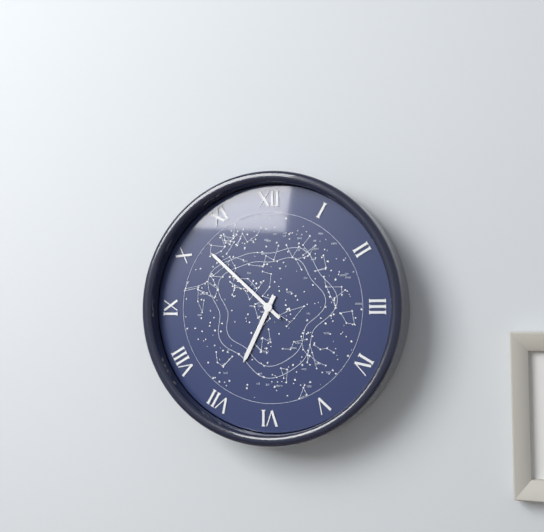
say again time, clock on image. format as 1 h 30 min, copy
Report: 6 h 52 min
